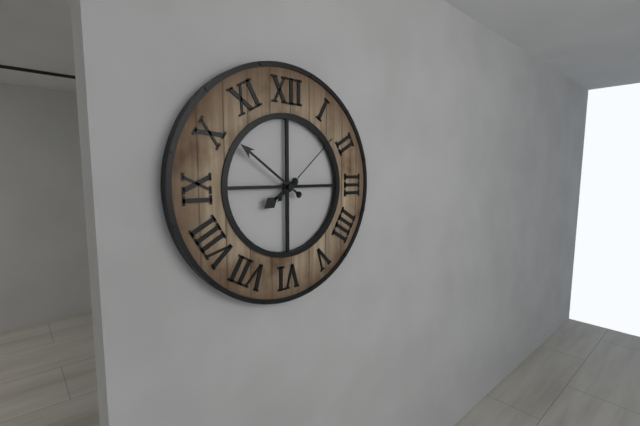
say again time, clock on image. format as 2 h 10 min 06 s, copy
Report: 7 h 51 min 08 s
